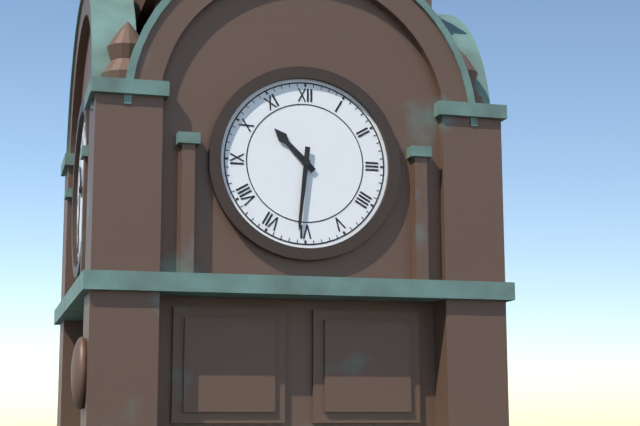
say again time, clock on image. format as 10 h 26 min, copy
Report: 10 h 31 min
